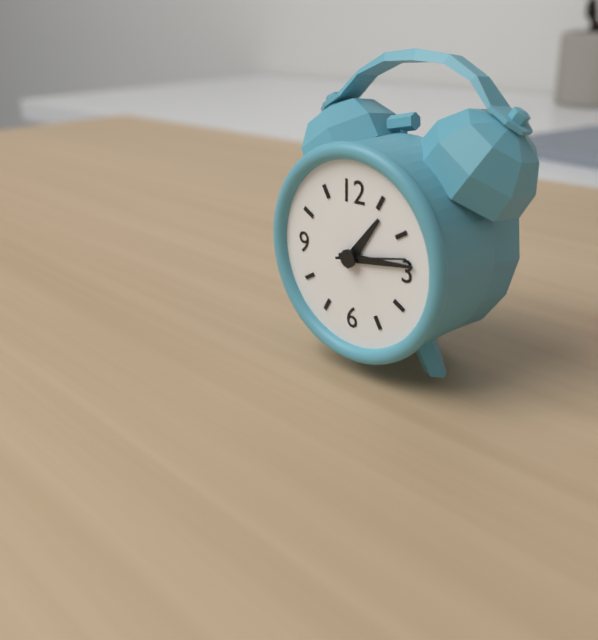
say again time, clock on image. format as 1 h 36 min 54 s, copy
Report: 1 h 14 min 13 s
